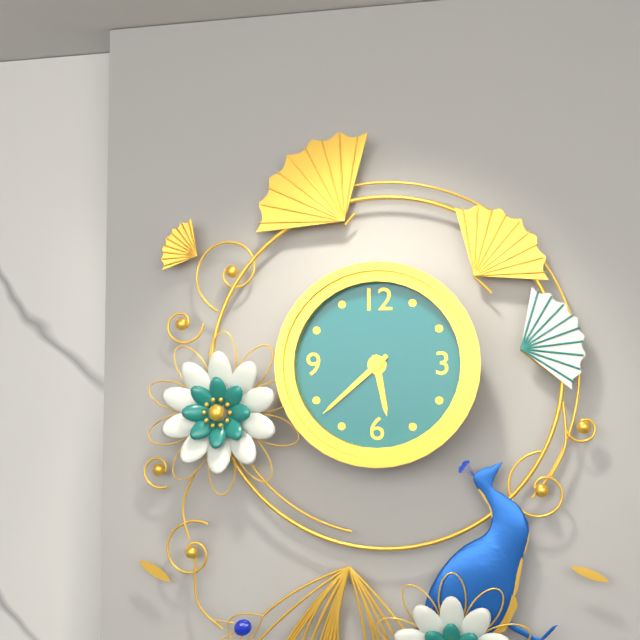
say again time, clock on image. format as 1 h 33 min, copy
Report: 5 h 38 min
